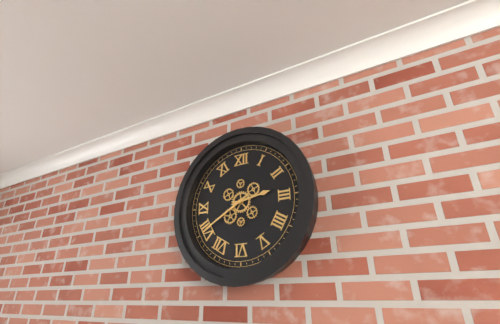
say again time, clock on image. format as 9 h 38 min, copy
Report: 2 h 40 min
